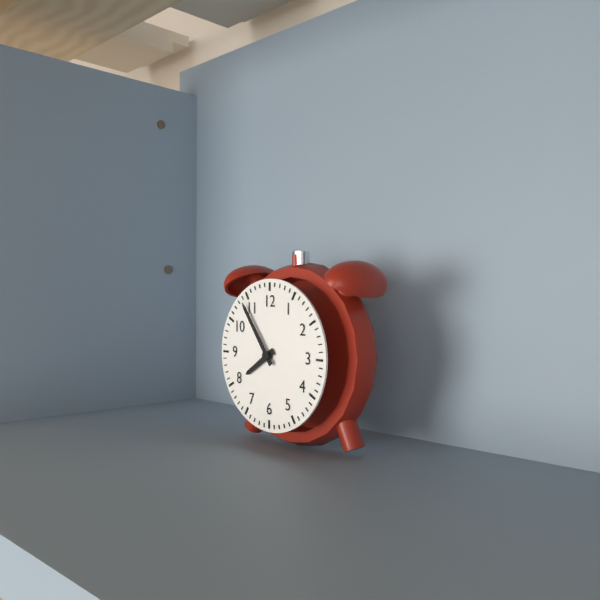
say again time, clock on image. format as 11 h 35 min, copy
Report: 7 h 54 min
